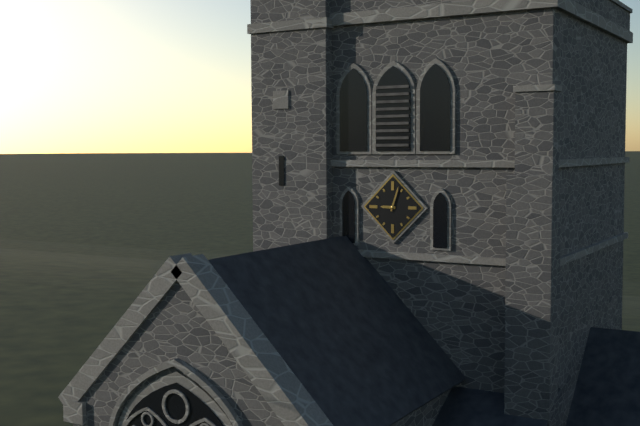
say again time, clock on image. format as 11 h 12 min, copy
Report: 9 h 03 min
